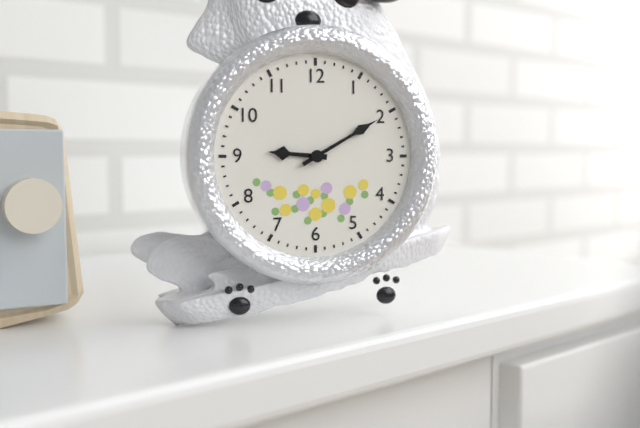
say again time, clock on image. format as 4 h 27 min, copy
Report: 9 h 10 min
